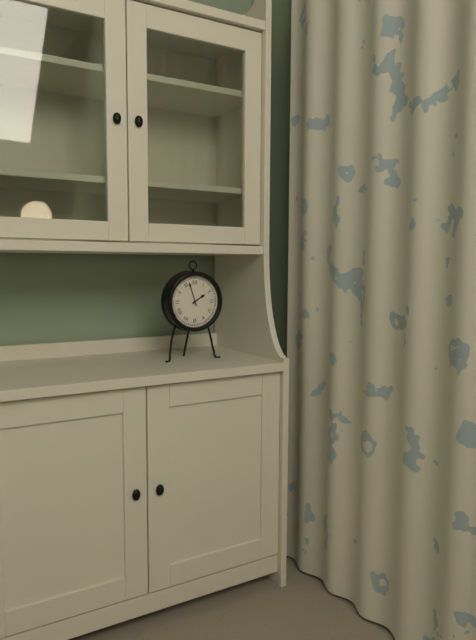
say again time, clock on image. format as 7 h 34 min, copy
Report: 1 h 57 min
